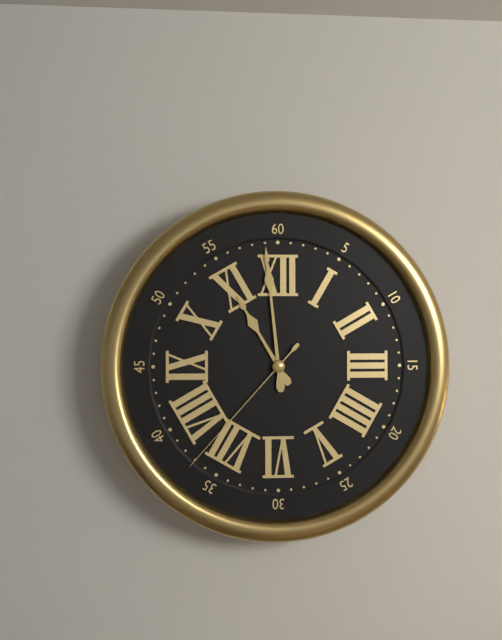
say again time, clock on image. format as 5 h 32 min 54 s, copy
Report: 10 h 59 min 37 s
